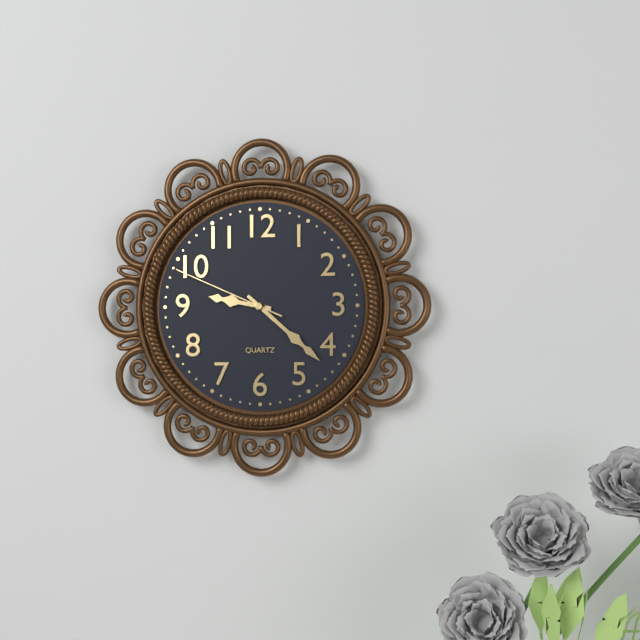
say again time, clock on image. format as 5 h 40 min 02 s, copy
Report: 9 h 22 min 49 s
